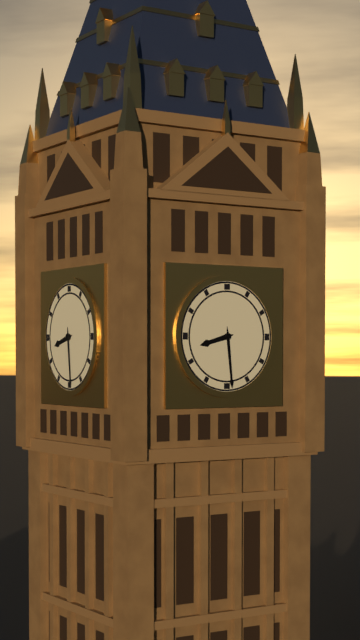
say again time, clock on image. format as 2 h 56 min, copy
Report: 8 h 29 min
